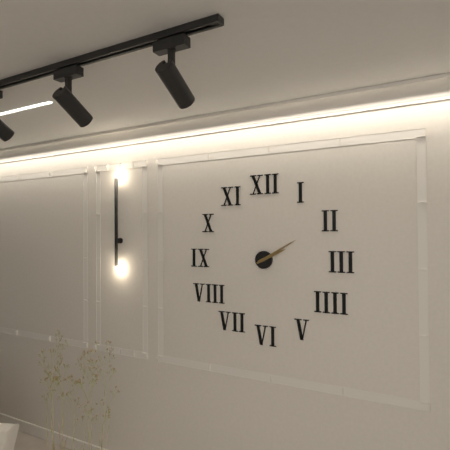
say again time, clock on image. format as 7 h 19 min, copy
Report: 2 h 10 min
